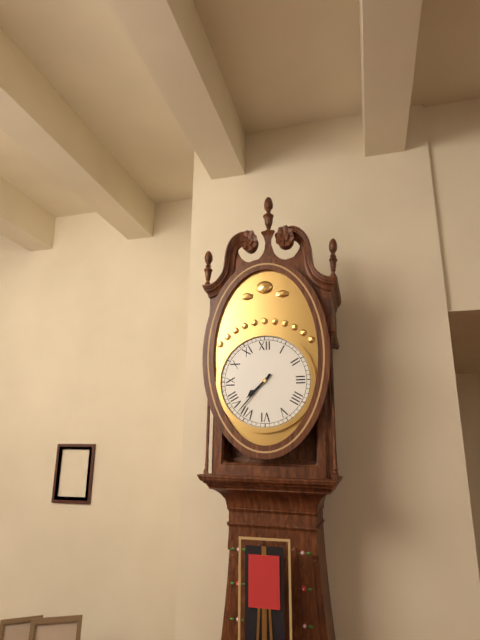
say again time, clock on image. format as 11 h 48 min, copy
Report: 7 h 37 min
